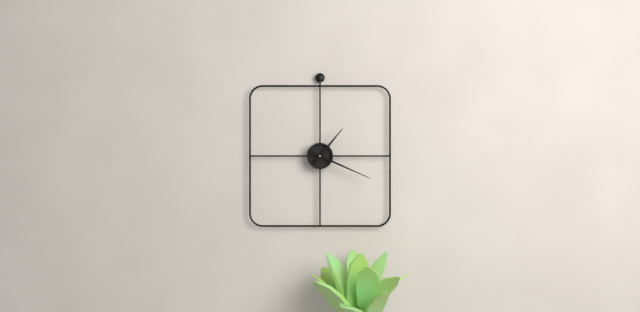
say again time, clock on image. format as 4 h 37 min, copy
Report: 1 h 19 min
